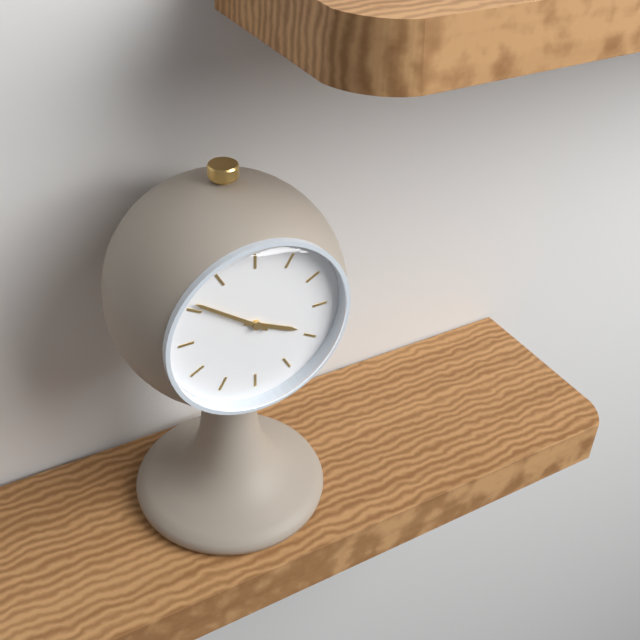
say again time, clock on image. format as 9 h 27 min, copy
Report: 3 h 51 min
